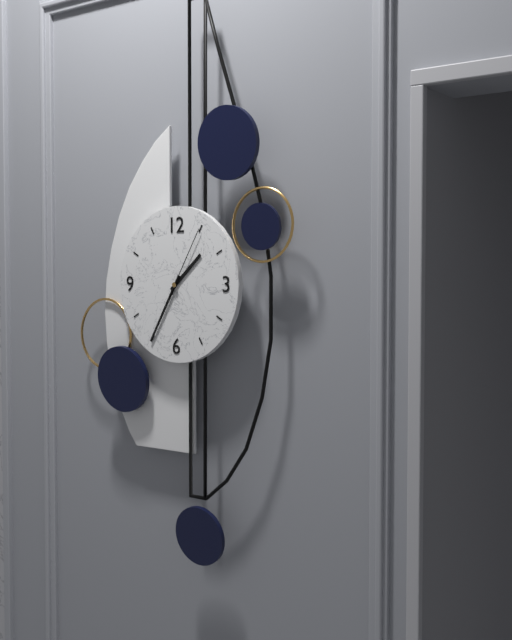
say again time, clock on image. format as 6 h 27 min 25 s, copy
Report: 1 h 35 min 05 s
